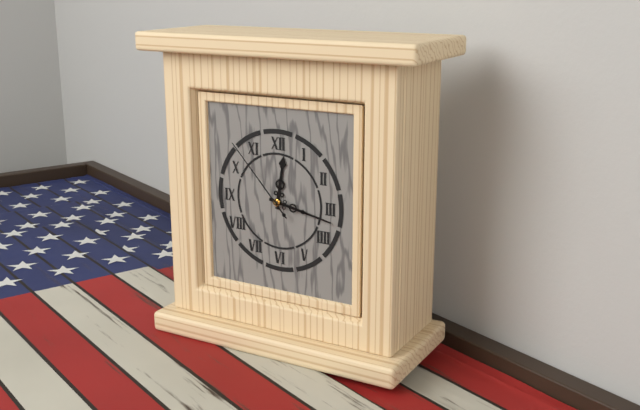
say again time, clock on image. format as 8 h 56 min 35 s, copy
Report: 12 h 17 min 53 s
